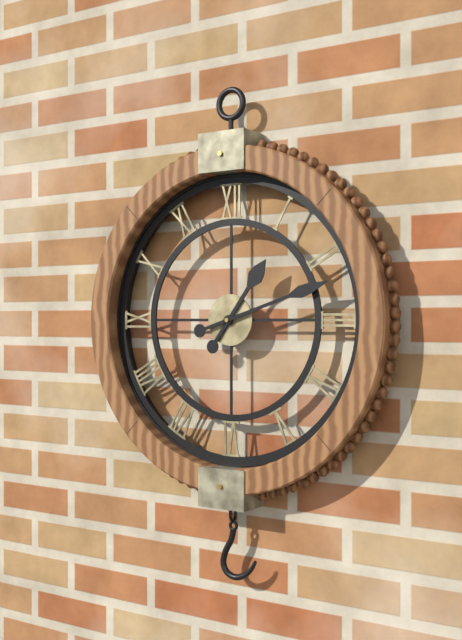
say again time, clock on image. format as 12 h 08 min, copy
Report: 1 h 12 min
